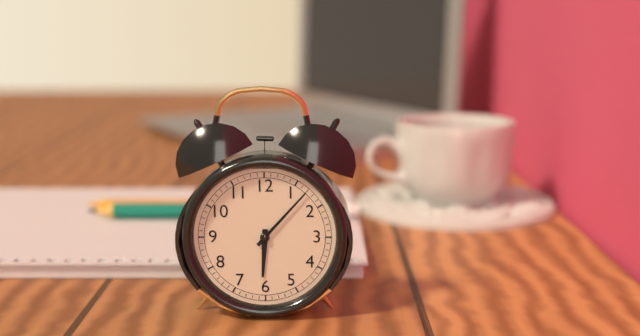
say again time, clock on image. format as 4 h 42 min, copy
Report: 6 h 07 min
